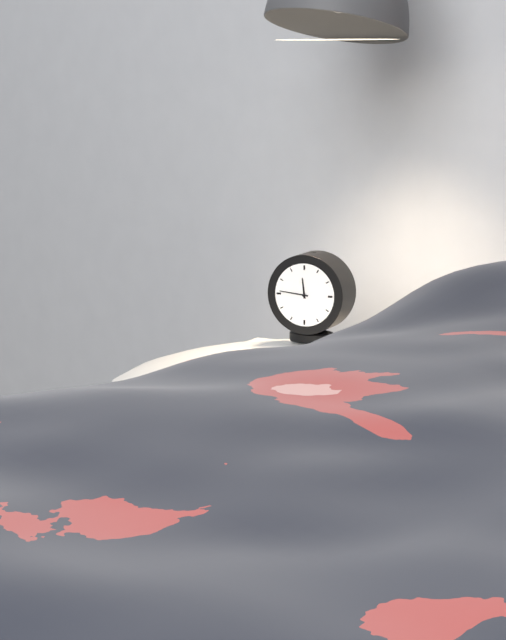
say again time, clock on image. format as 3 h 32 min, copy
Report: 11 h 46 min
